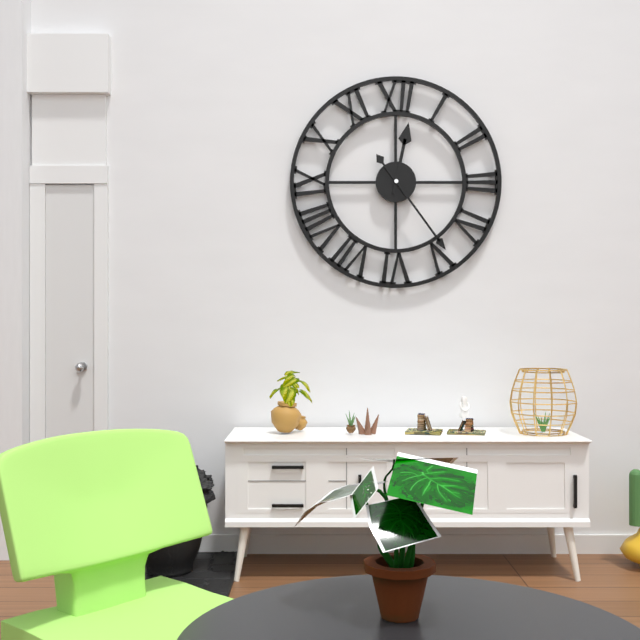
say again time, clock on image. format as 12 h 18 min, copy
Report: 12 h 24 min
